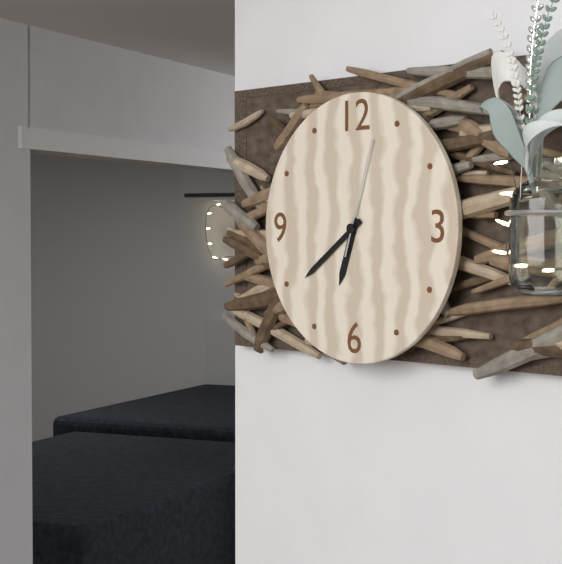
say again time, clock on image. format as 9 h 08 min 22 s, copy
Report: 6 h 39 min 03 s
